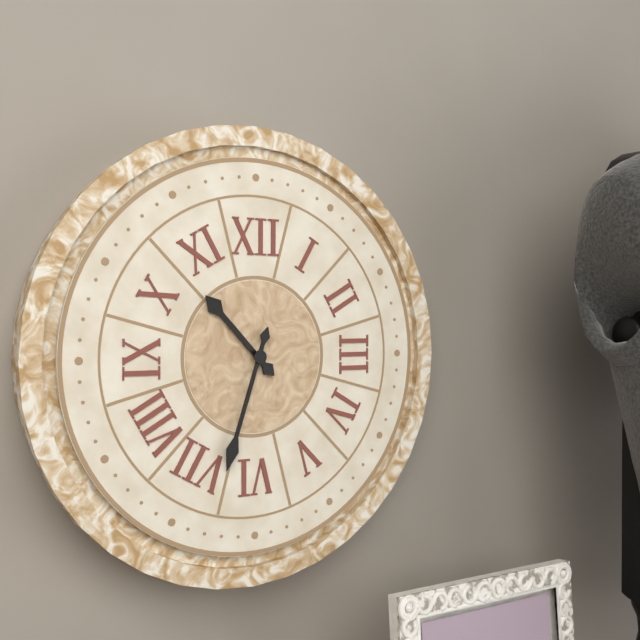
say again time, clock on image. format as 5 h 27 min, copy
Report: 10 h 33 min
